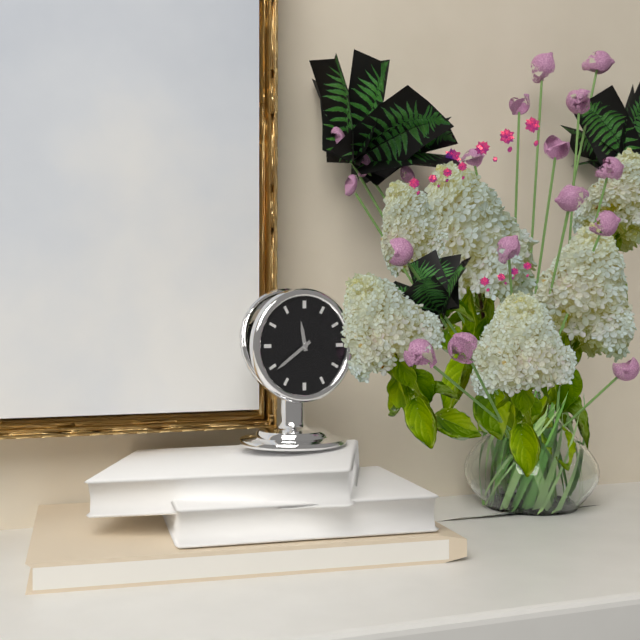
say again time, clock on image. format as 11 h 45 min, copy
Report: 11 h 39 min
